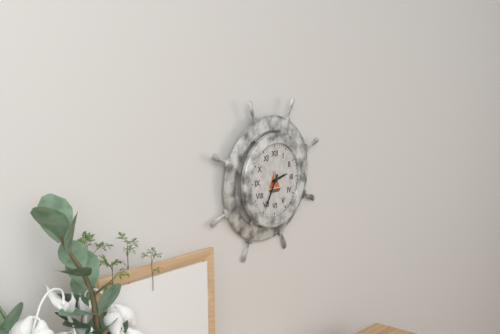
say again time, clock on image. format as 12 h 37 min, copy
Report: 2 h 35 min
